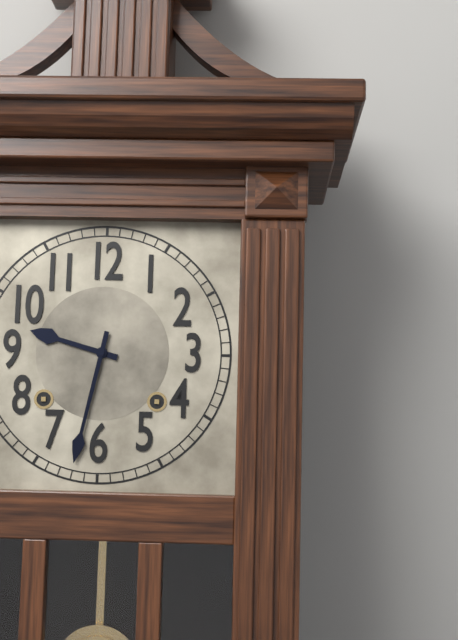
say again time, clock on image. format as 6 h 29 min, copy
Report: 9 h 32 min
